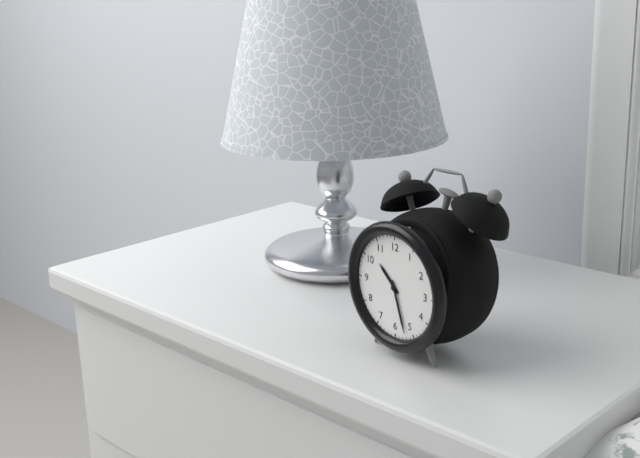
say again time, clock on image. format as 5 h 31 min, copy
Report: 10 h 27 min
